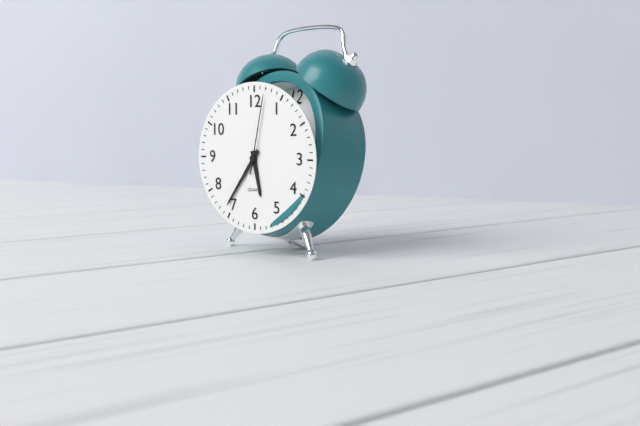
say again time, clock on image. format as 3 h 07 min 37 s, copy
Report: 5 h 36 min 02 s
